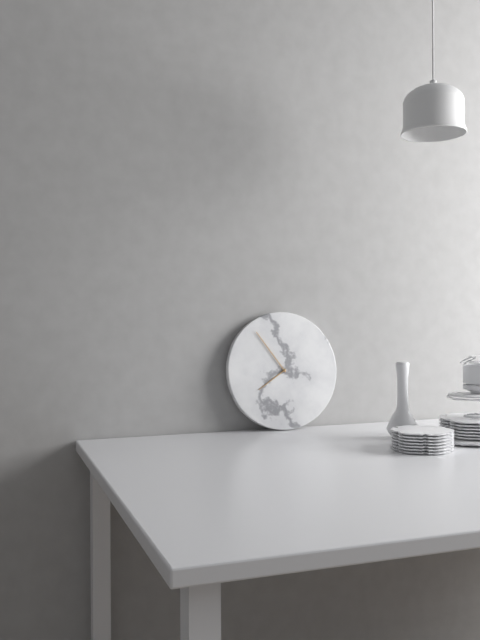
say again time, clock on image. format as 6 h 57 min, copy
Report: 7 h 54 min
